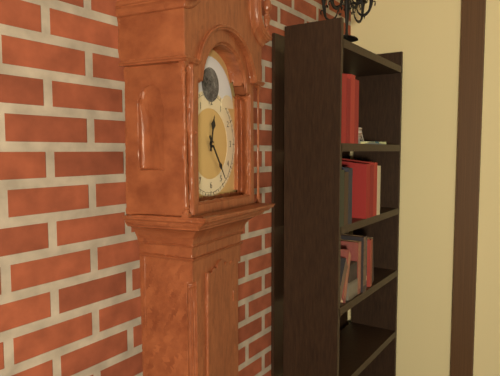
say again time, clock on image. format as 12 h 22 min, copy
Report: 12 h 24 min
